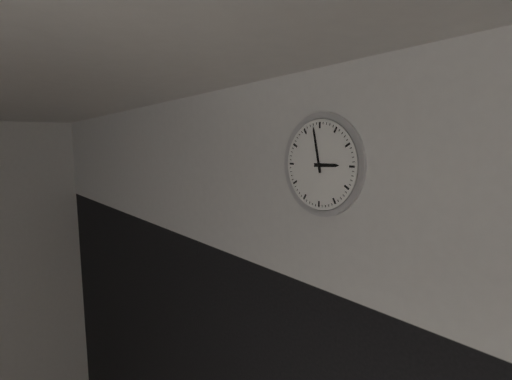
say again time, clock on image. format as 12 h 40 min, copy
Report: 2 h 58 min
